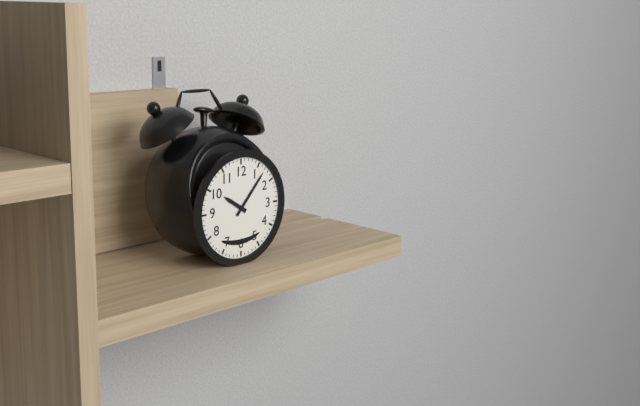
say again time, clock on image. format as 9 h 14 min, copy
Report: 10 h 07 min
